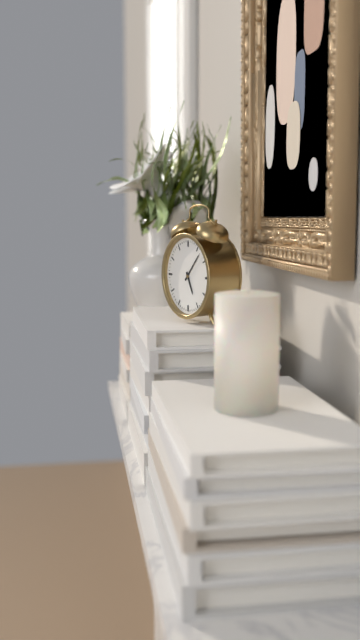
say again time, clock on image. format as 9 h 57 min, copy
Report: 5 h 07 min
